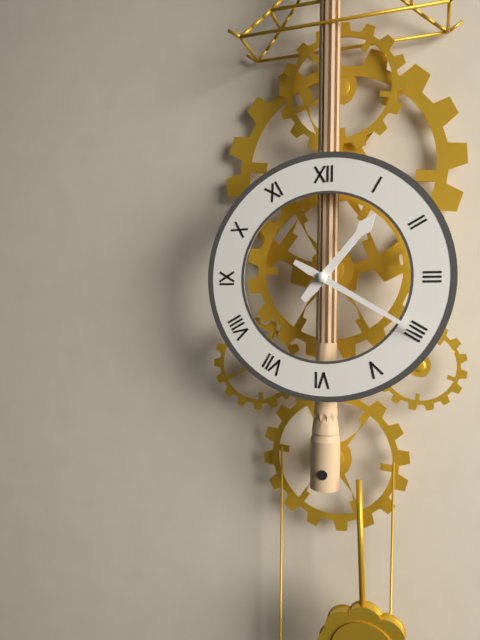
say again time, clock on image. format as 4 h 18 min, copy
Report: 1 h 20 min
